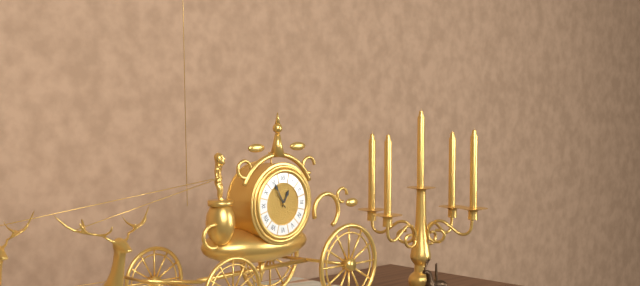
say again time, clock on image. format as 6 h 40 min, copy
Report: 12 h 55 min
